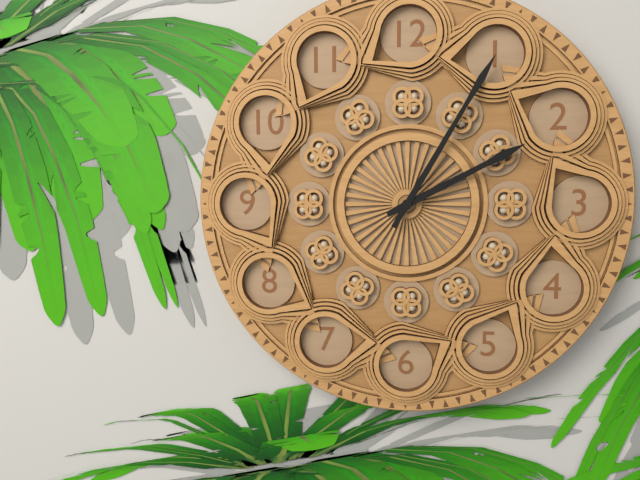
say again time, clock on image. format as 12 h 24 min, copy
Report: 2 h 05 min
